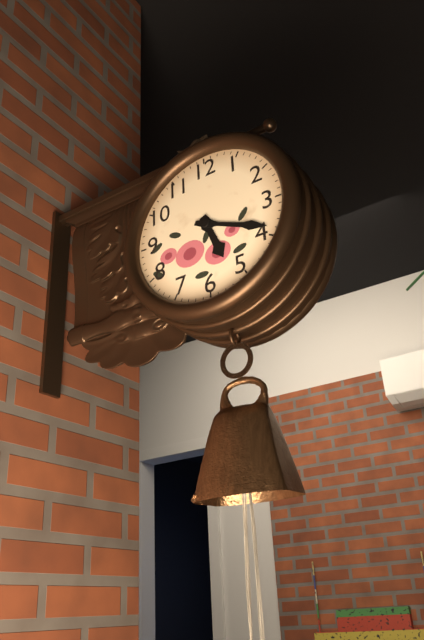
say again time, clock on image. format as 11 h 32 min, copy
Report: 5 h 19 min
